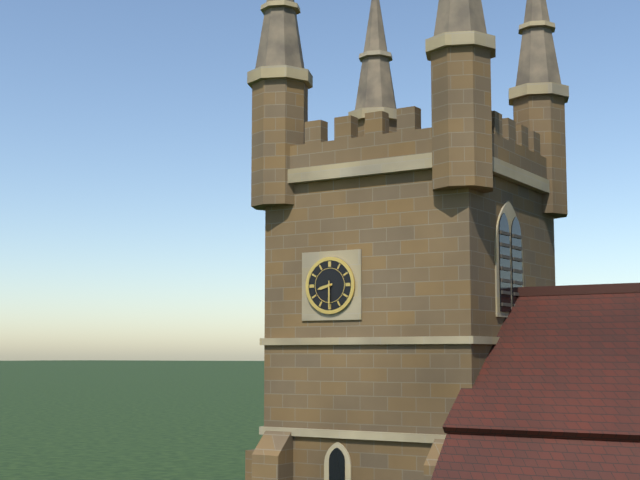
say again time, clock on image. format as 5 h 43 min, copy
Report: 8 h 30 min
